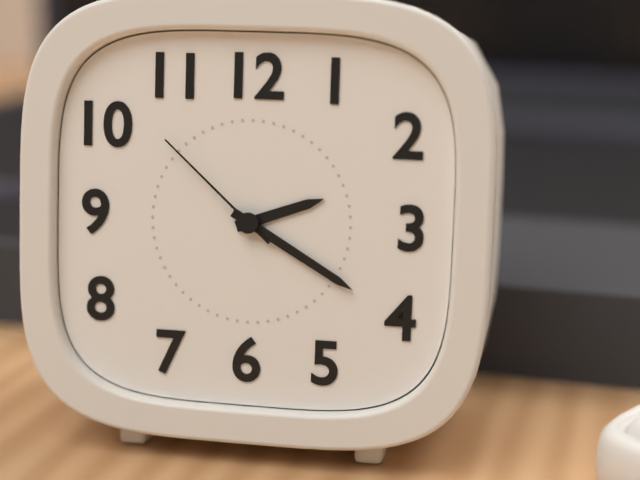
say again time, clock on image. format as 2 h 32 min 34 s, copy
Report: 2 h 20 min 52 s
